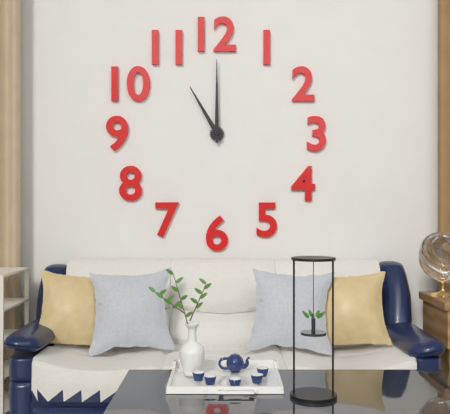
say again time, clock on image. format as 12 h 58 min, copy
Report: 11 h 00 min
